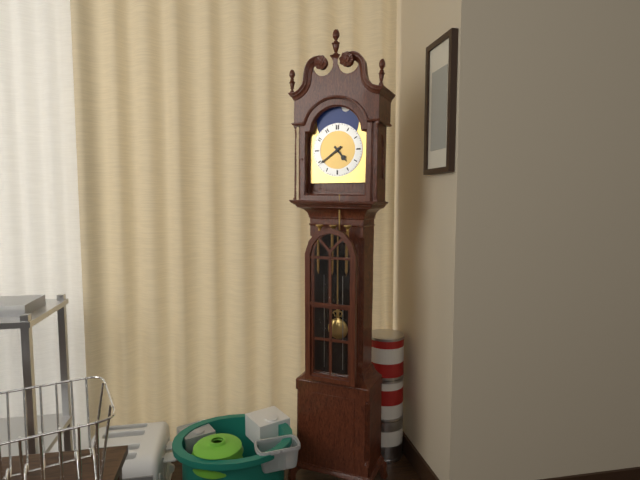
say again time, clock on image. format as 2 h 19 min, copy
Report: 4 h 39 min
